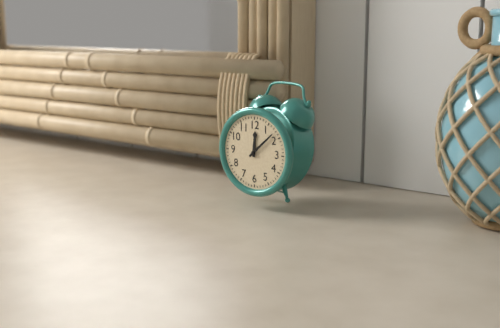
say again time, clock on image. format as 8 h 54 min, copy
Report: 12 h 08 min
